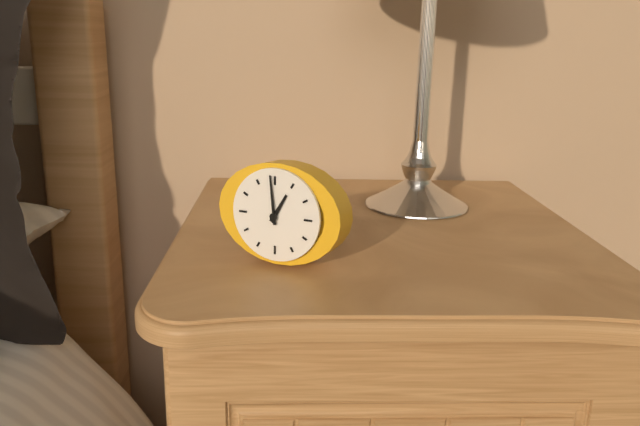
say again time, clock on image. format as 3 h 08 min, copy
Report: 12 h 59 min
